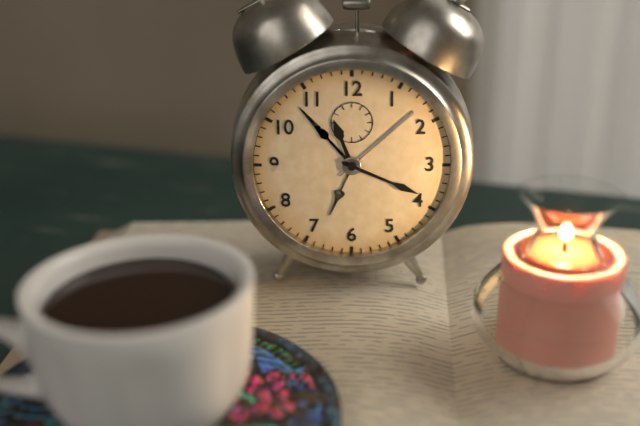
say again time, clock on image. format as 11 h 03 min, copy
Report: 11 h 19 min
